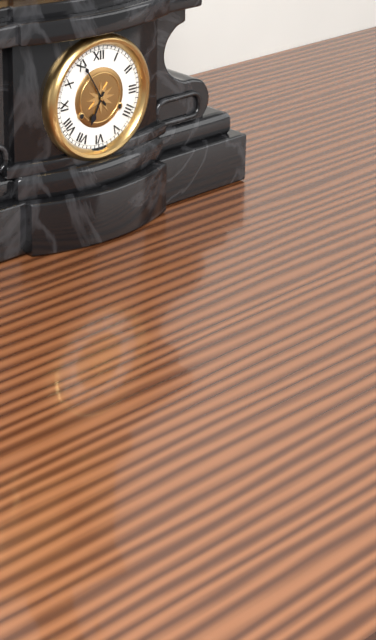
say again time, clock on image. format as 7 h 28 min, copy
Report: 6 h 55 min
